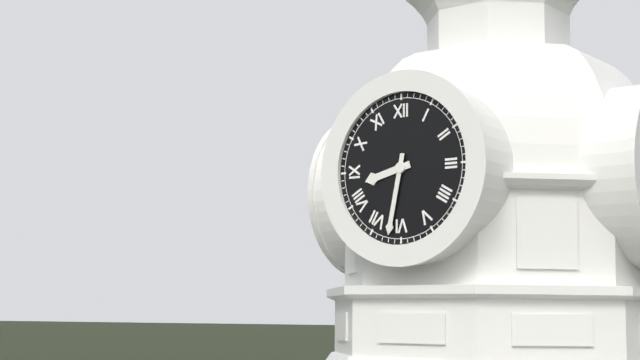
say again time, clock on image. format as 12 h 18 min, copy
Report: 8 h 32 min
